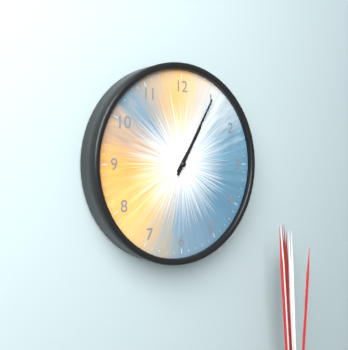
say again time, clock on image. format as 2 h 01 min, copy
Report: 1 h 05 min
